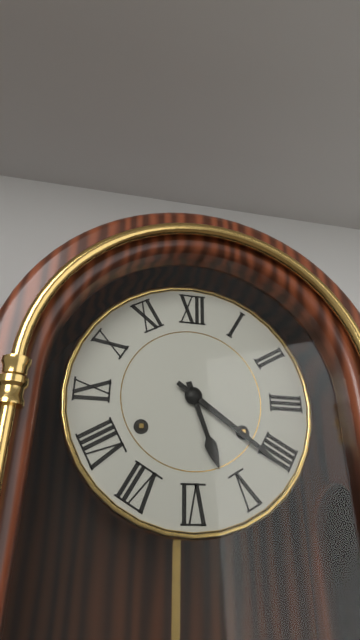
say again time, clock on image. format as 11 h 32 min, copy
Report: 5 h 21 min
